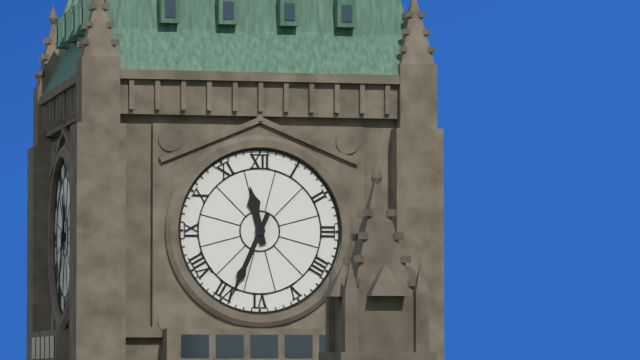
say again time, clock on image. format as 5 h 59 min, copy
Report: 11 h 34 min
